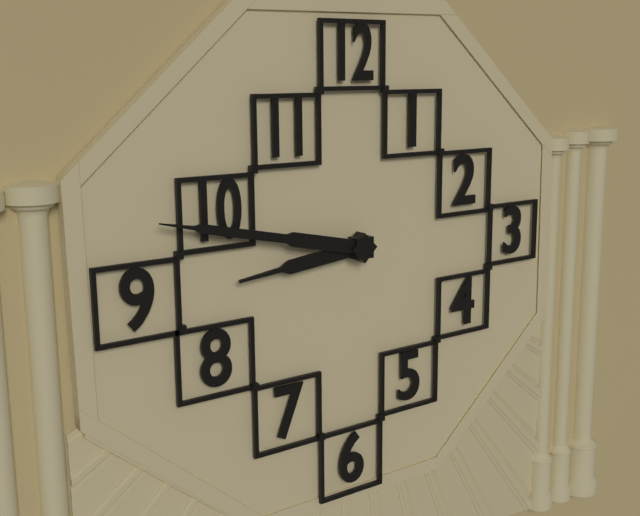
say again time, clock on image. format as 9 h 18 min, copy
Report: 8 h 47 min
